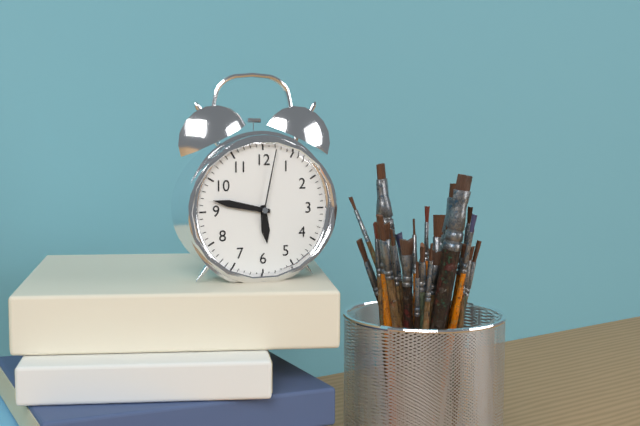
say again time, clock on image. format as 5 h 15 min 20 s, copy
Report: 5 h 47 min 02 s
